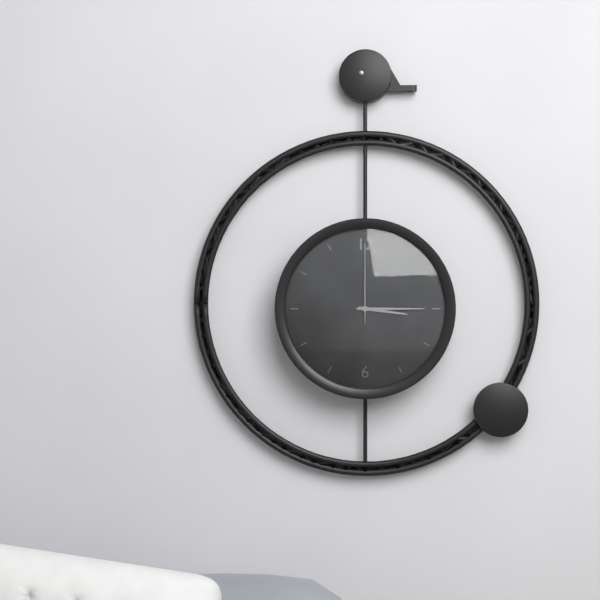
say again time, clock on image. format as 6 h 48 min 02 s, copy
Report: 3 h 15 min 00 s
